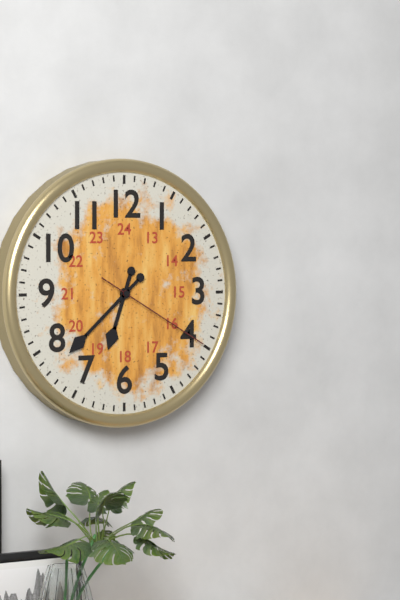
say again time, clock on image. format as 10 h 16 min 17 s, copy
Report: 6 h 38 min 20 s
